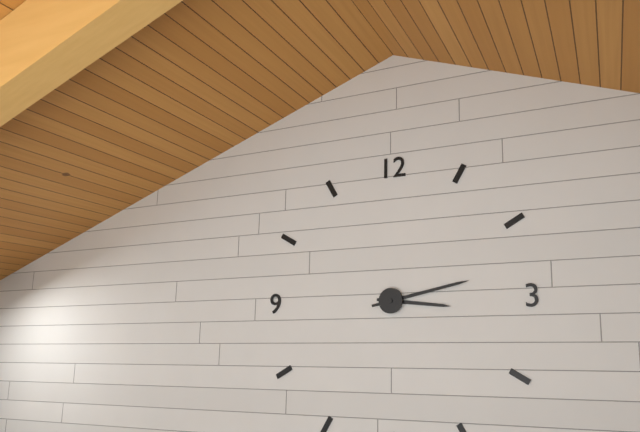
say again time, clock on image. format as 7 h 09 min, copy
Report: 3 h 13 min
